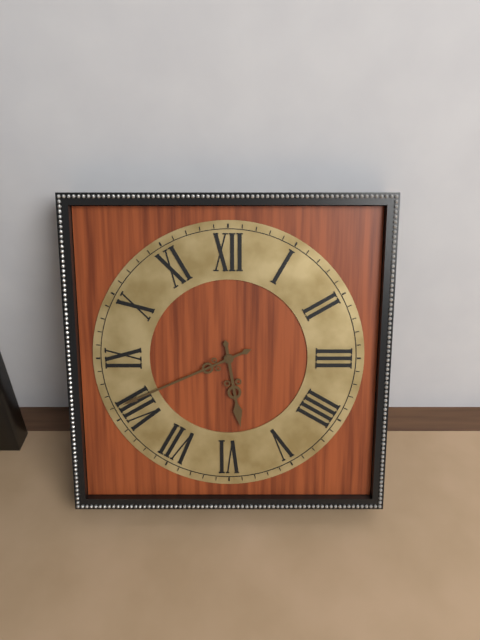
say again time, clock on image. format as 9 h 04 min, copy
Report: 5 h 41 min
